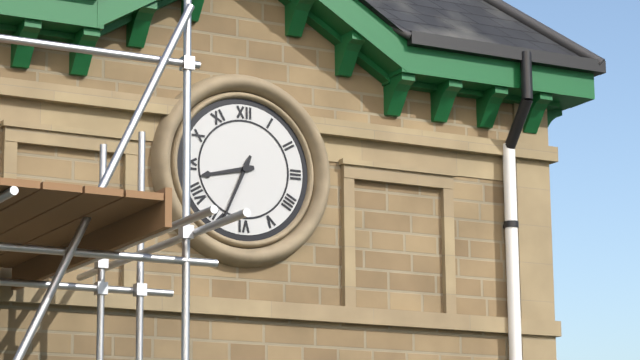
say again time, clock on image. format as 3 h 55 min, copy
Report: 8 h 34 min
